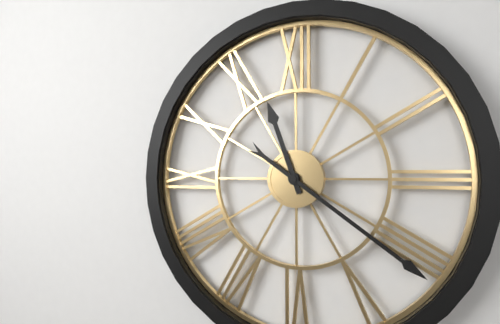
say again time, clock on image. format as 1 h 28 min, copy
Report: 11 h 21 min
